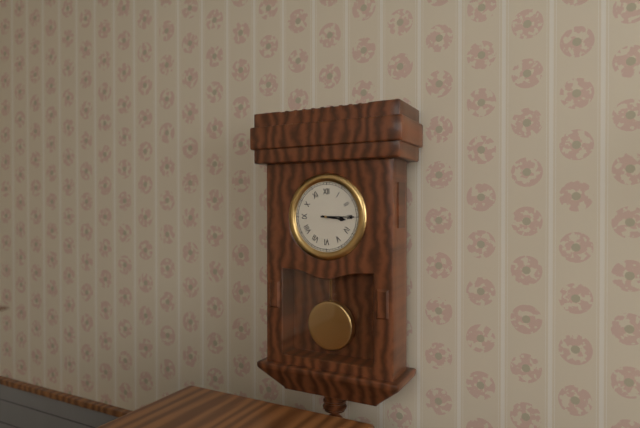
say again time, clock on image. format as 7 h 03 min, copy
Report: 3 h 15 min
